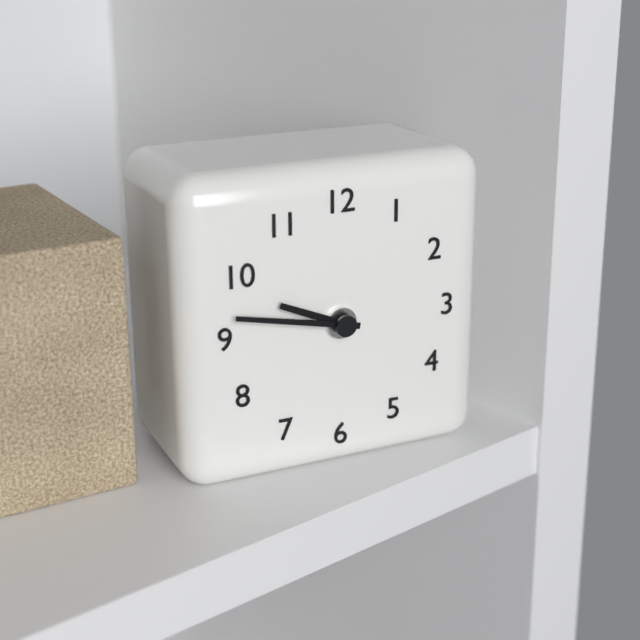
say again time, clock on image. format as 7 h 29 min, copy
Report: 9 h 47 min
